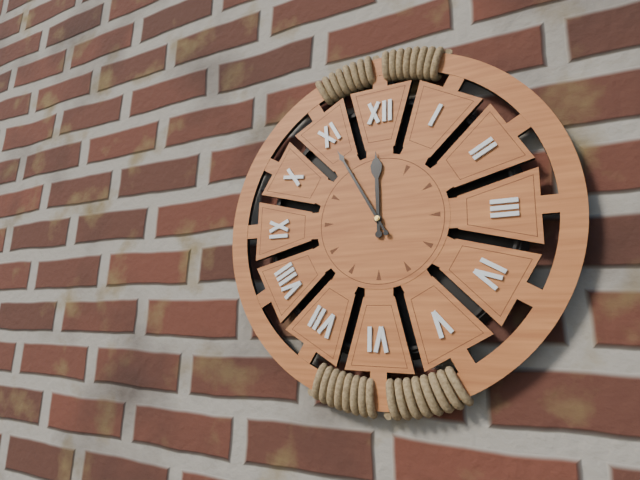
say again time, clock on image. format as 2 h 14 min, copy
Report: 11 h 55 min
